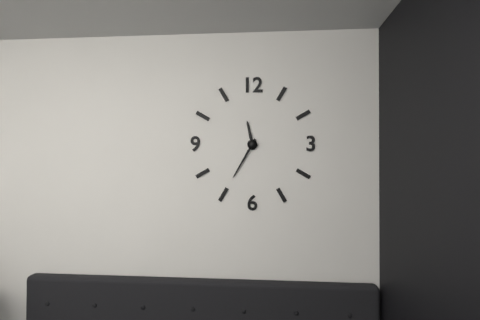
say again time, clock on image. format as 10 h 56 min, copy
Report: 11 h 35 min
